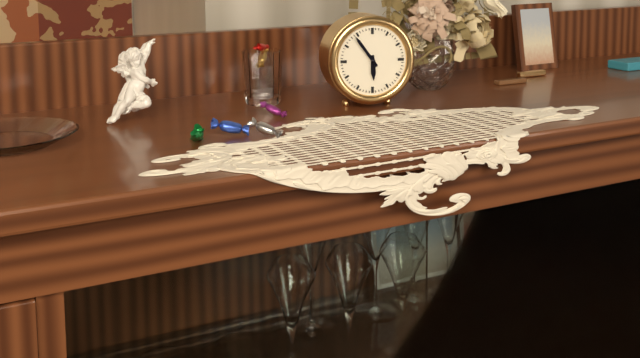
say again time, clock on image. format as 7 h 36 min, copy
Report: 5 h 54 min
